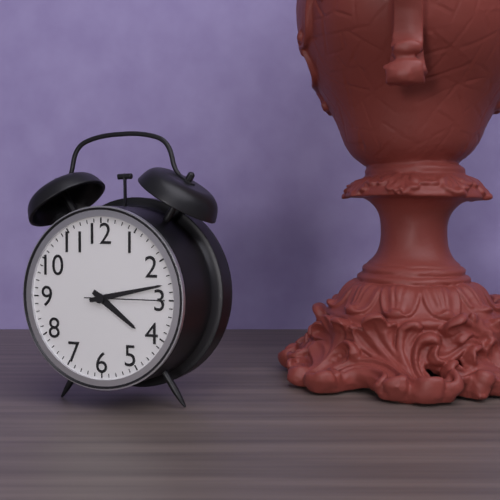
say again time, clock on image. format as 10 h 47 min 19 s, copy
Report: 4 h 13 min 15 s
